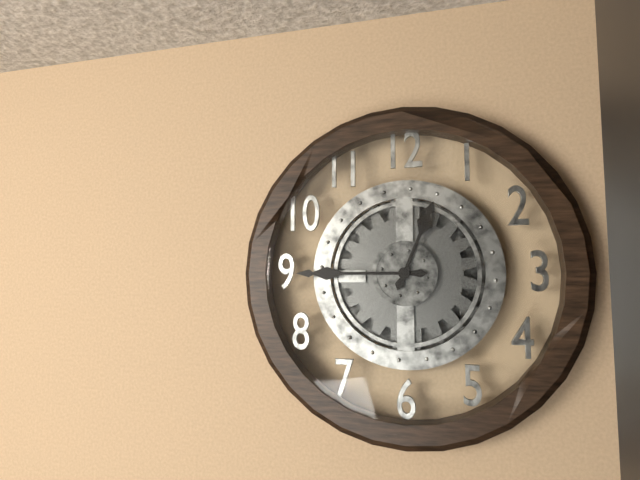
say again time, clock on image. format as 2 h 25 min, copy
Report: 12 h 45 min
